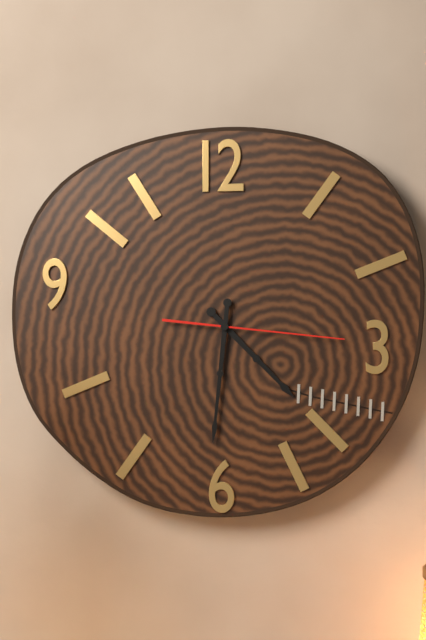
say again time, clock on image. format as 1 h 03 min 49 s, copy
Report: 4 h 31 min 16 s
